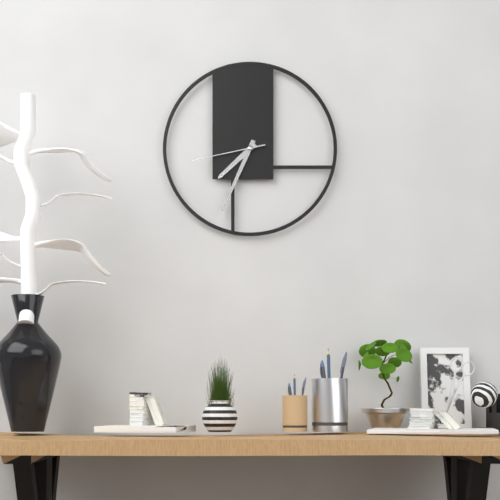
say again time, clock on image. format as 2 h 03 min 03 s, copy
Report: 7 h 34 min 43 s
